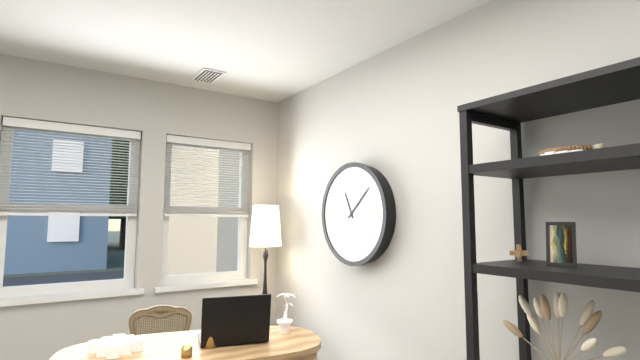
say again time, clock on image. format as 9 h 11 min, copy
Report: 11 h 08 min
